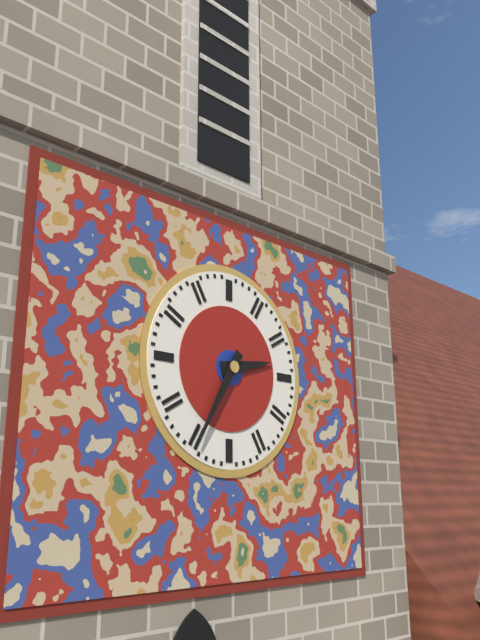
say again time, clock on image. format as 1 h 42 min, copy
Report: 2 h 35 min
